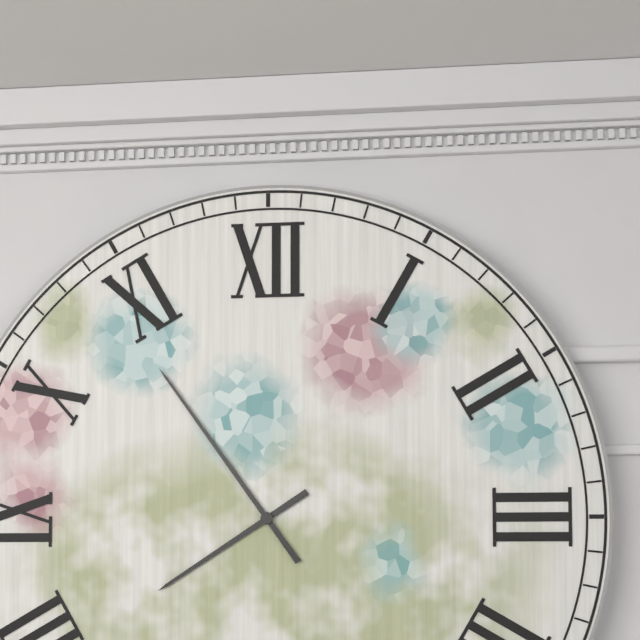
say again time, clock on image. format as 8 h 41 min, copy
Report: 7 h 54 min
